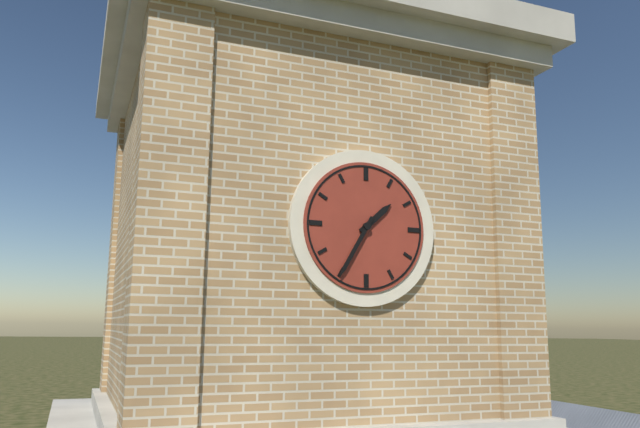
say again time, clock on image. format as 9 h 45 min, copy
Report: 1 h 35 min
